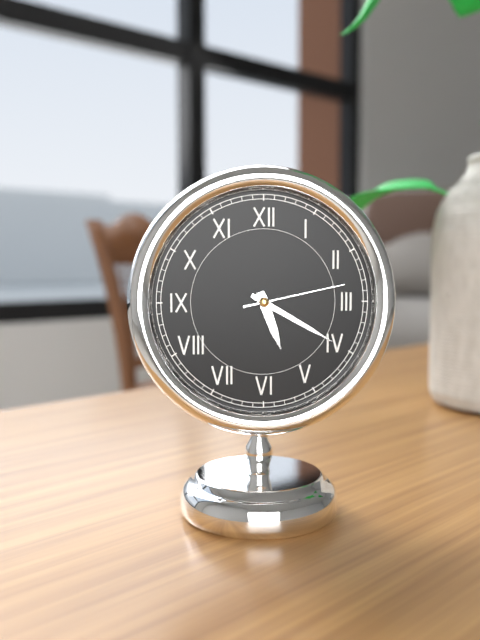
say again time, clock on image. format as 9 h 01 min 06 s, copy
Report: 5 h 20 min 13 s
